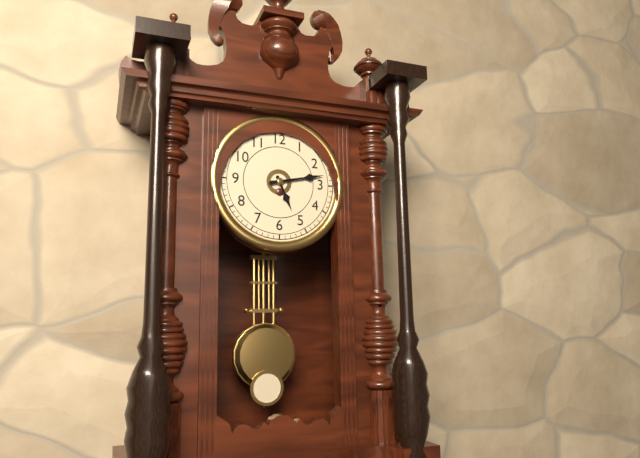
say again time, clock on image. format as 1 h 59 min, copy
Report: 5 h 13 min
